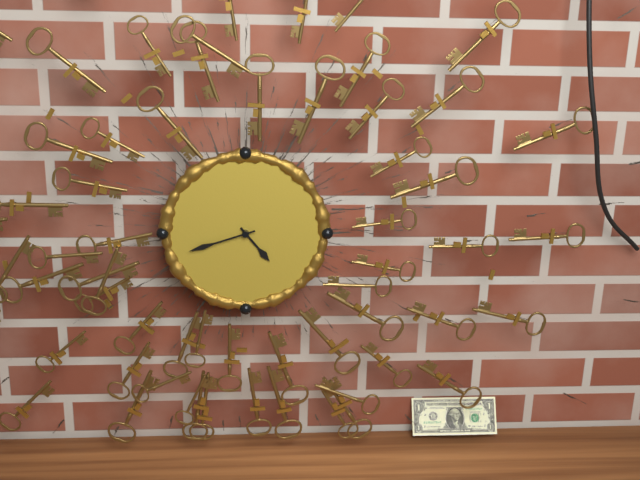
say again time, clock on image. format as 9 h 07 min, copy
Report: 4 h 42 min
